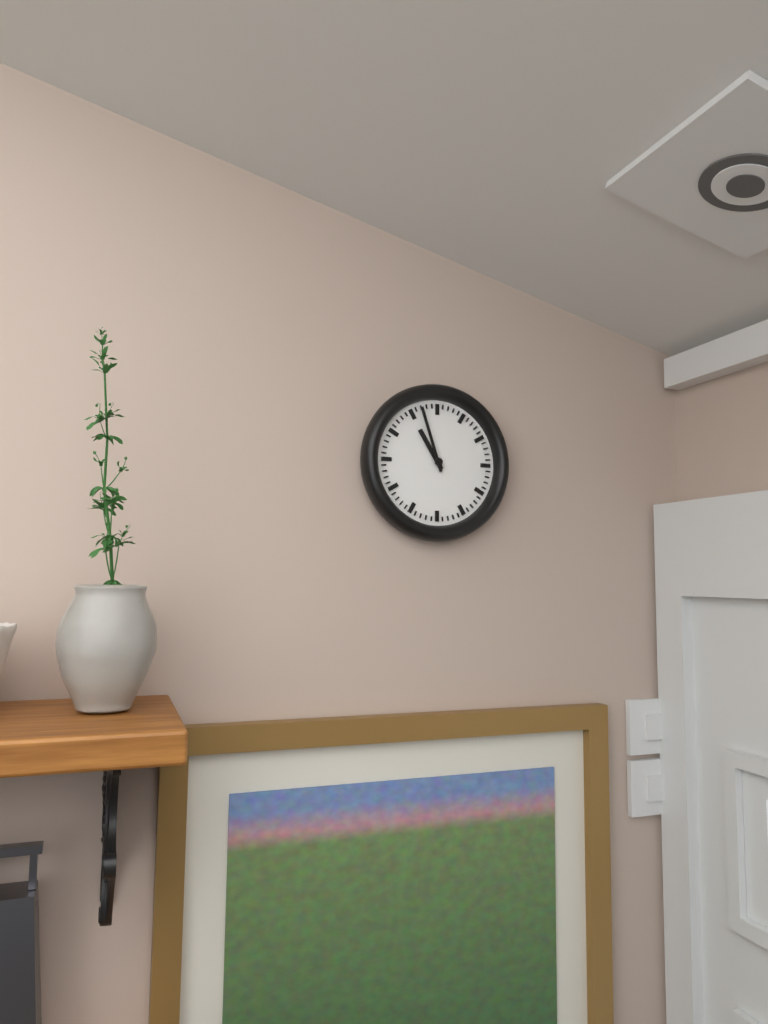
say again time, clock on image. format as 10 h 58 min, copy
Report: 10 h 57 min
